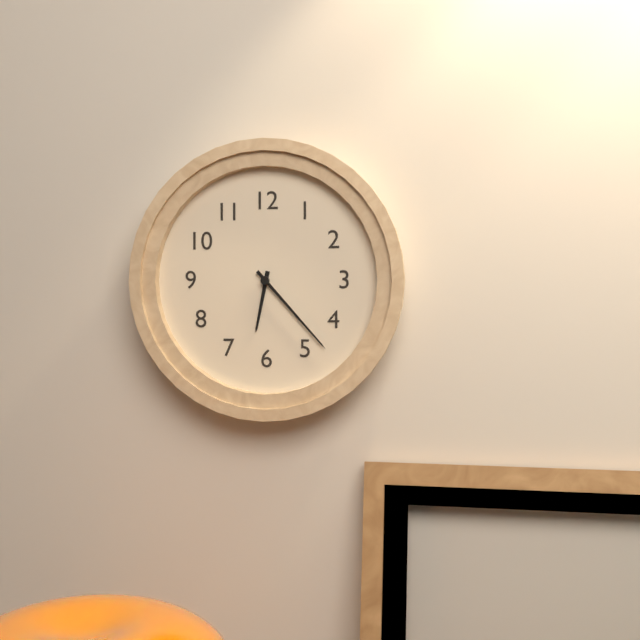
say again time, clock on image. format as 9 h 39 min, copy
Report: 6 h 23 min
